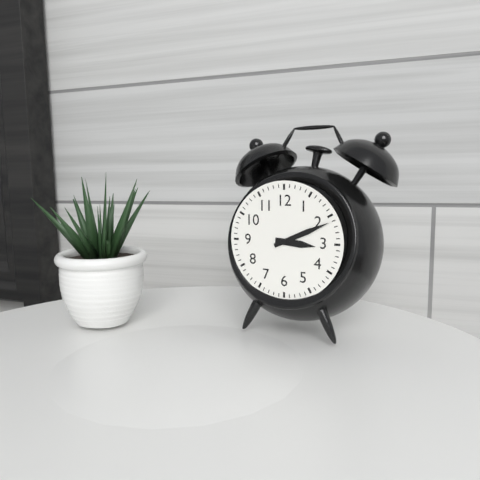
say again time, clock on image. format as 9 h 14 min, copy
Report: 3 h 11 min
